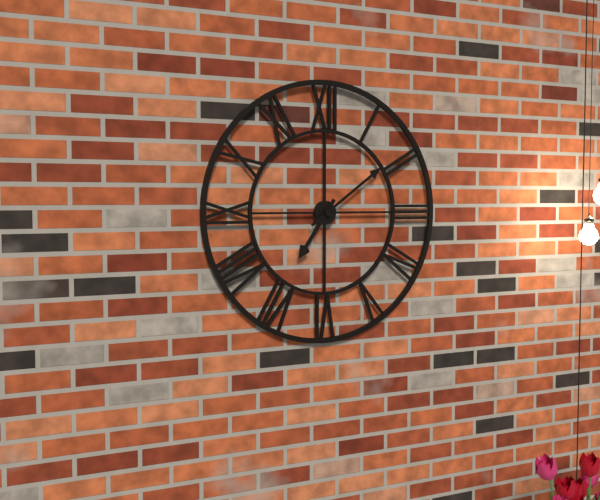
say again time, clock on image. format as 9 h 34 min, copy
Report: 7 h 09 min
